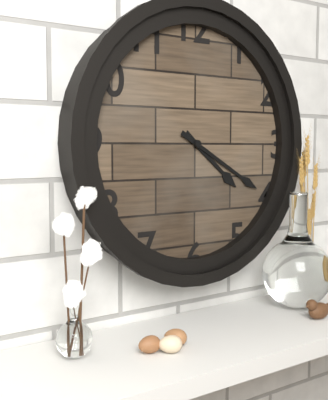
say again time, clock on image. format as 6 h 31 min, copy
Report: 4 h 20 min
